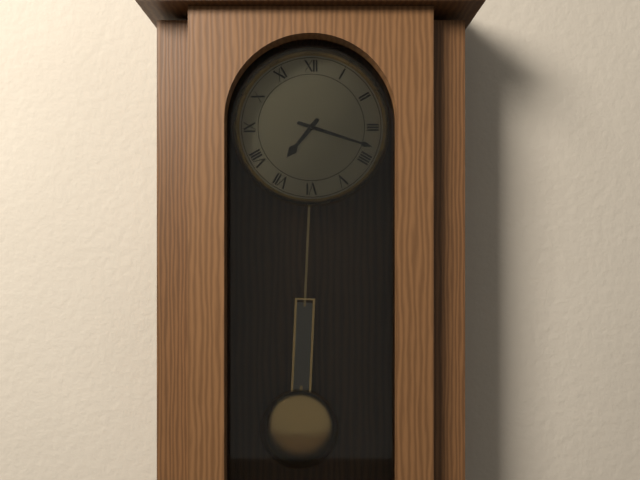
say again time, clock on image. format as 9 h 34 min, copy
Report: 7 h 18 min
